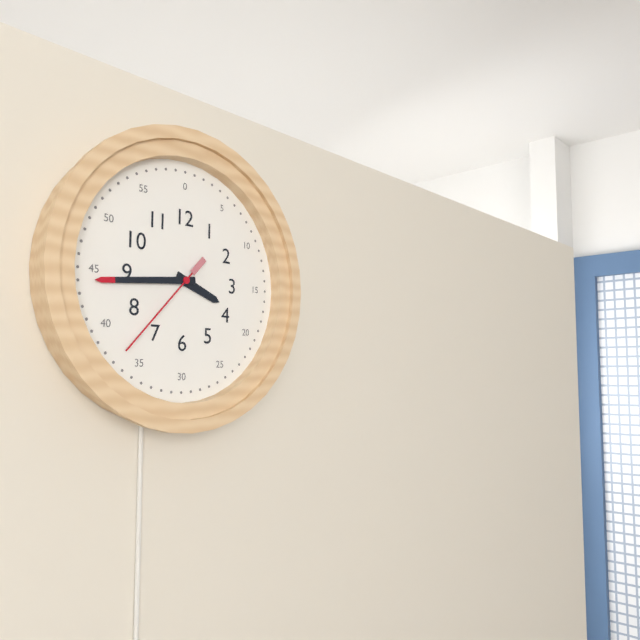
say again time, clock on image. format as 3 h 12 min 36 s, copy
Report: 3 h 44 min 37 s
